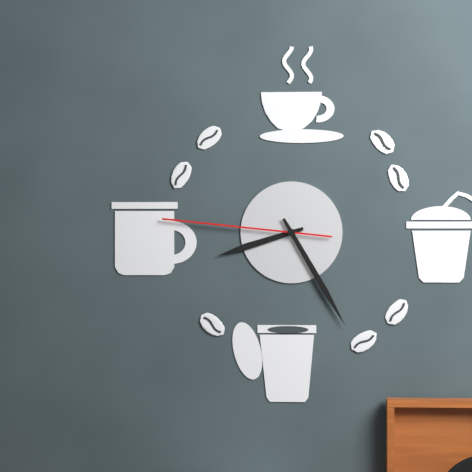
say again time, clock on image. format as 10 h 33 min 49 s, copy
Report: 8 h 25 min 46 s
